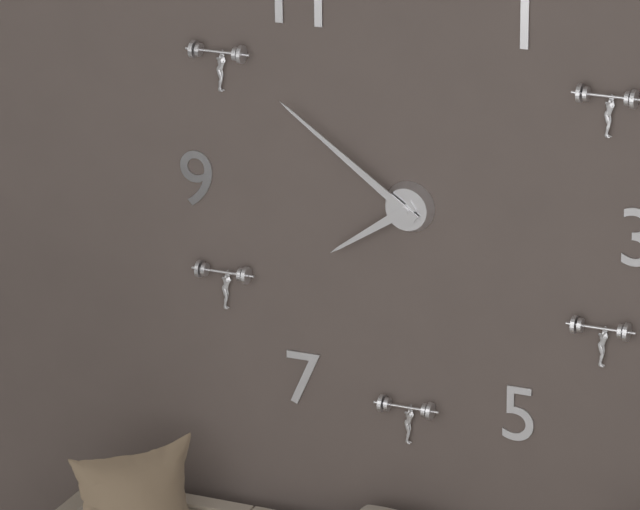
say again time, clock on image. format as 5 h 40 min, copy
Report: 7 h 51 min
